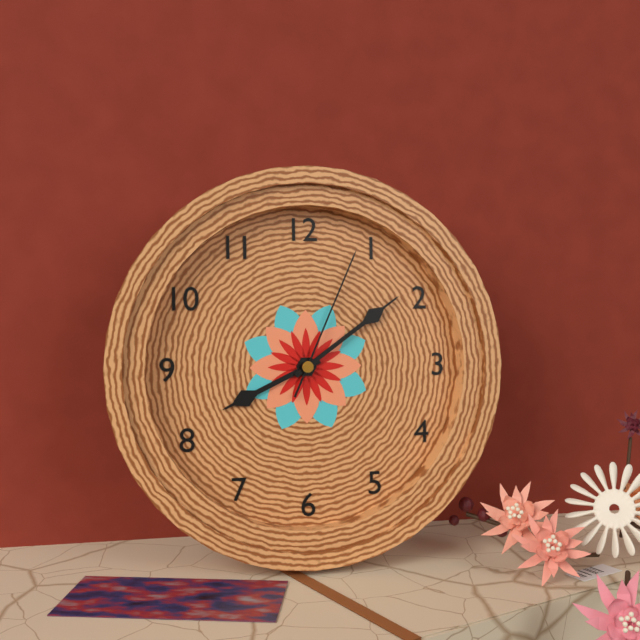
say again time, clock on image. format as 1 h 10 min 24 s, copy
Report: 8 h 09 min 04 s
